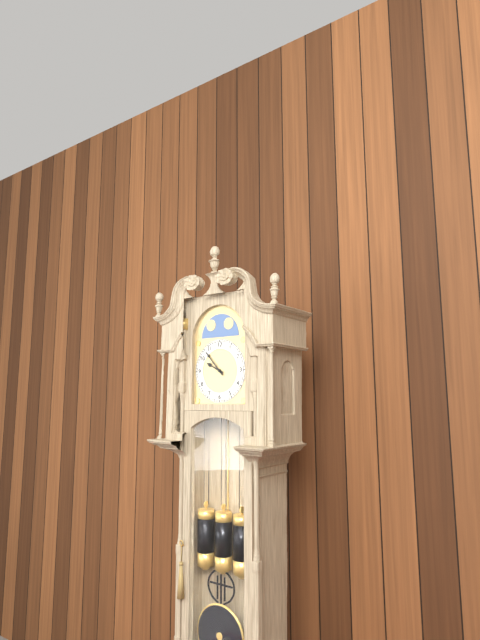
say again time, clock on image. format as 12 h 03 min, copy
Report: 9 h 53 min
